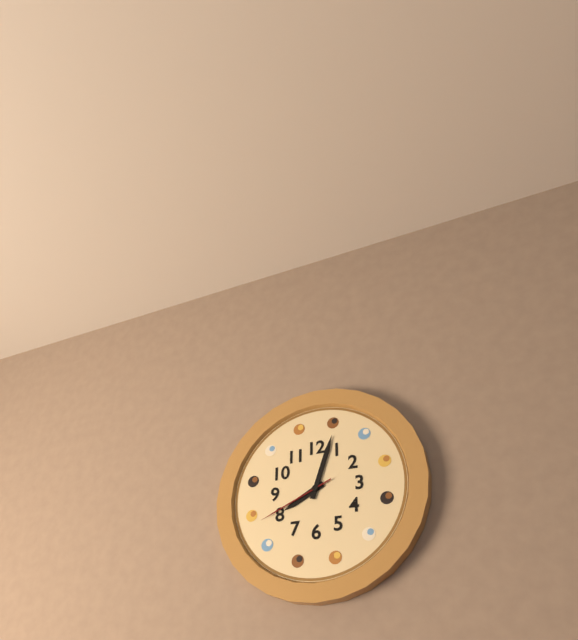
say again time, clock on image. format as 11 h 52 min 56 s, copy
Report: 8 h 03 min 41 s
